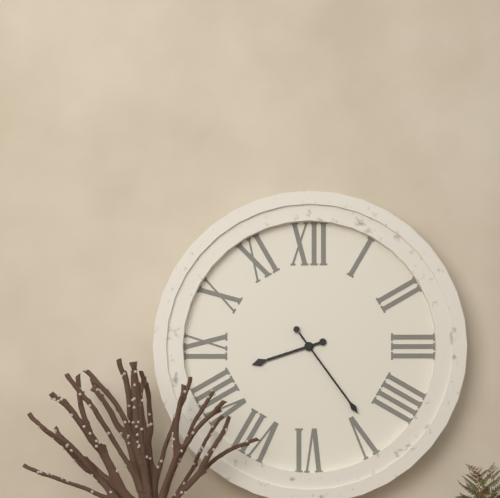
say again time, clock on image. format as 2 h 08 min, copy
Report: 8 h 24 min
